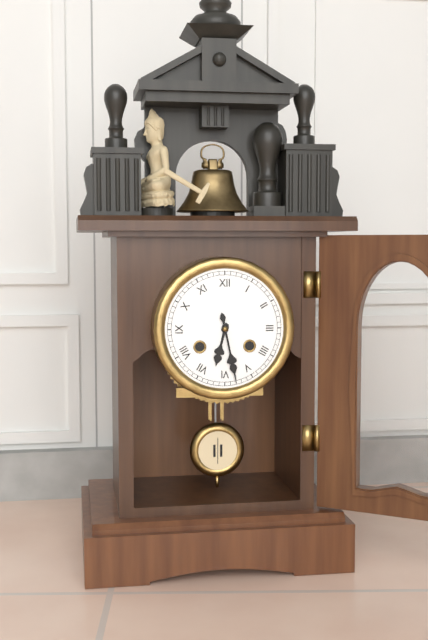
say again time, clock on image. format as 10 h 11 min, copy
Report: 6 h 28 min
